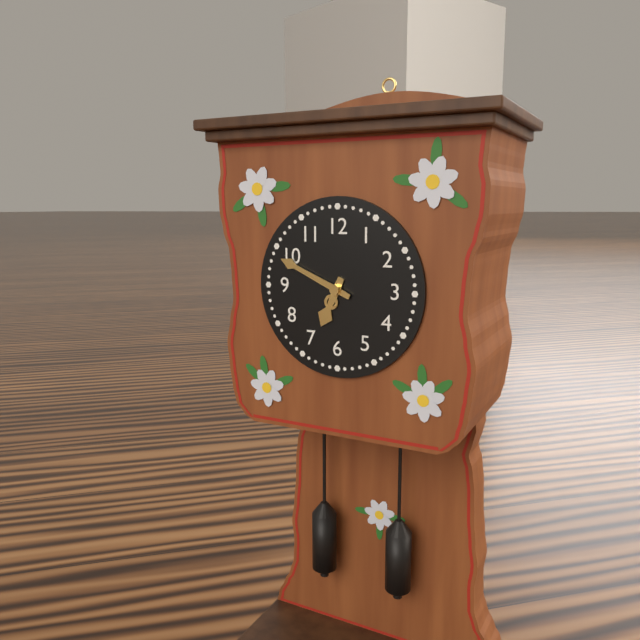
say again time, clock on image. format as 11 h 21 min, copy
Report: 6 h 49 min
